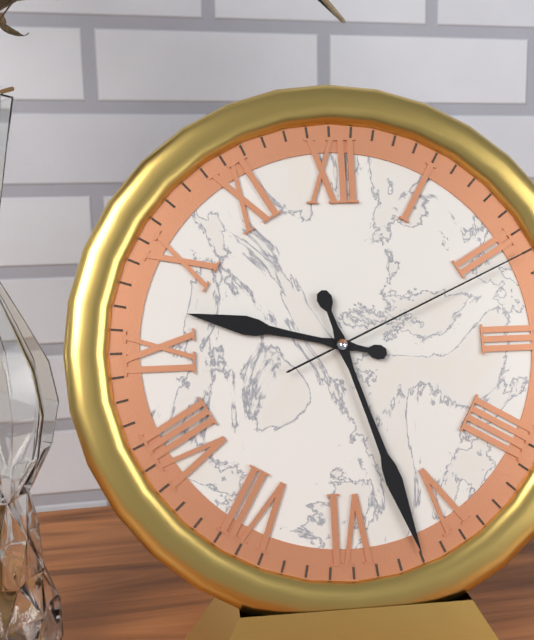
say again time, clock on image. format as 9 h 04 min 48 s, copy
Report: 9 h 27 min 11 s
